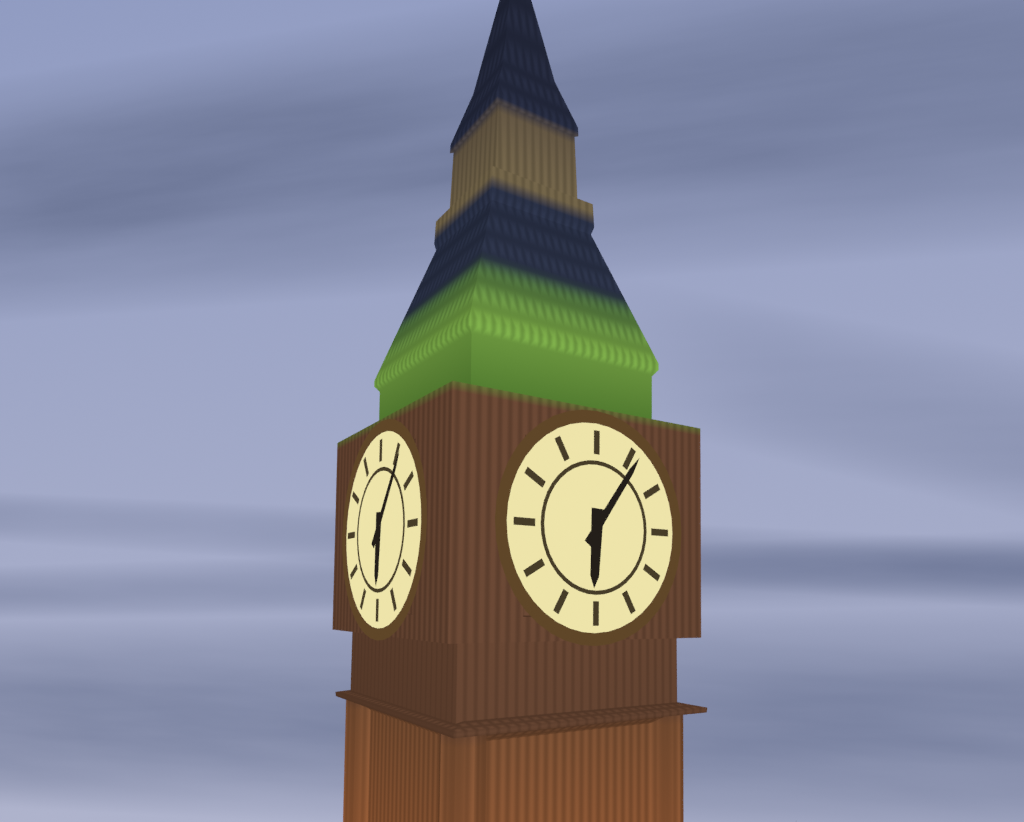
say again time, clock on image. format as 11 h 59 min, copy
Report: 6 h 06 min
